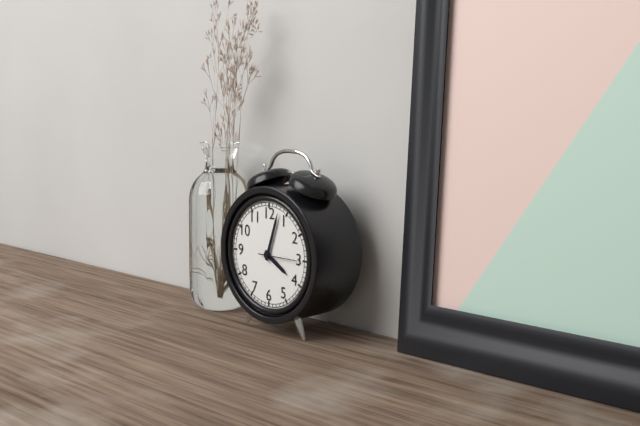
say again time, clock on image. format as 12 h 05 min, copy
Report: 4 h 03 min
